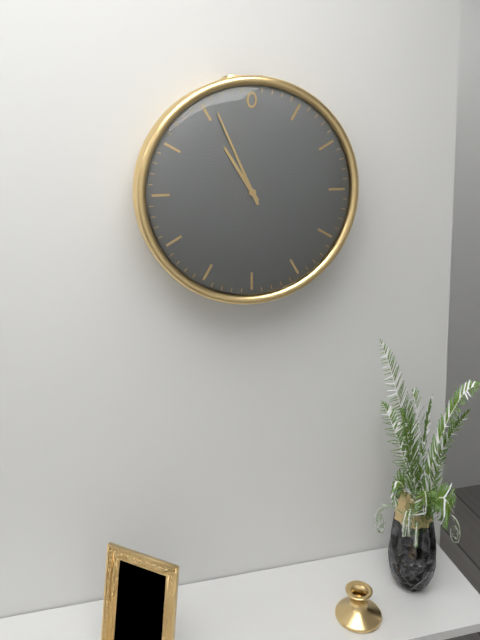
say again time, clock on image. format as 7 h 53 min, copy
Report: 10 h 56 min
